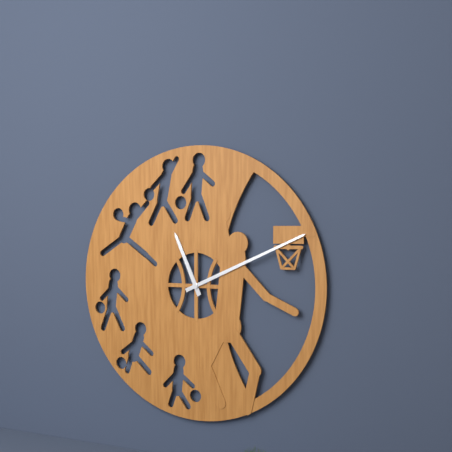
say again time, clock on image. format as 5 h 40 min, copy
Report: 11 h 11 min
